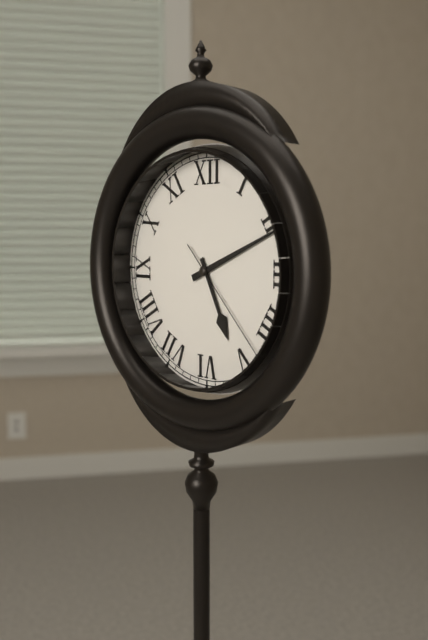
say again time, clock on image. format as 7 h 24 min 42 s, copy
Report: 5 h 11 min 23 s
